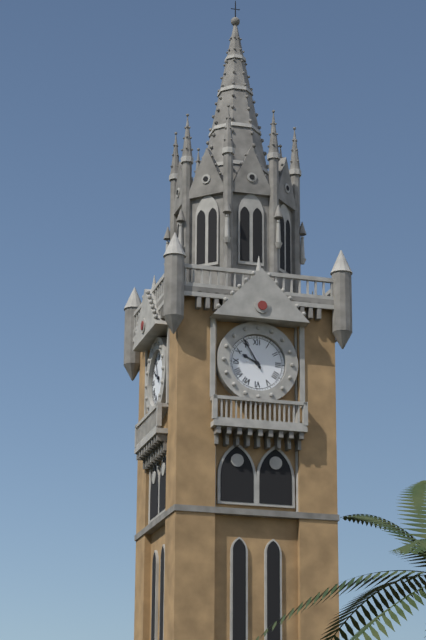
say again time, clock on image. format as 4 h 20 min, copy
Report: 9 h 55 min
